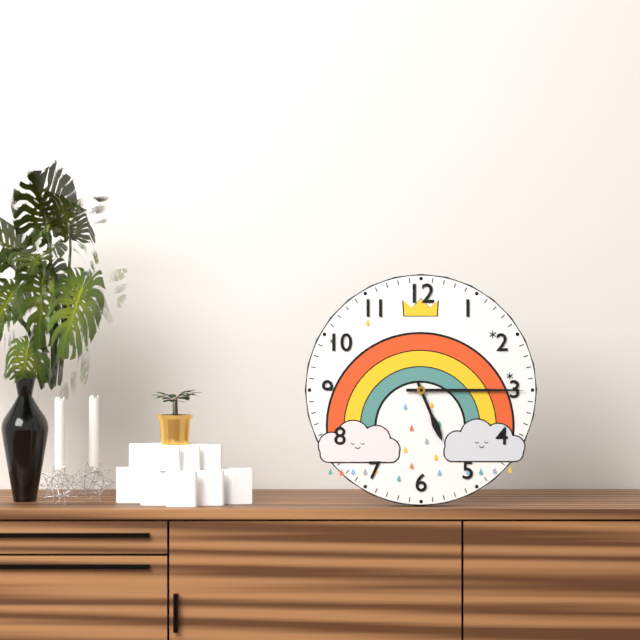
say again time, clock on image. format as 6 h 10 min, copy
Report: 5 h 15 min
